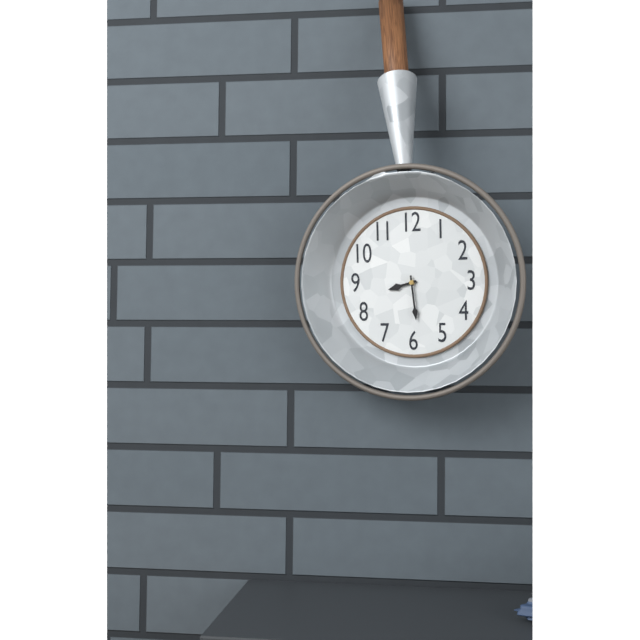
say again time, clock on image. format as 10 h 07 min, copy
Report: 8 h 29 min
